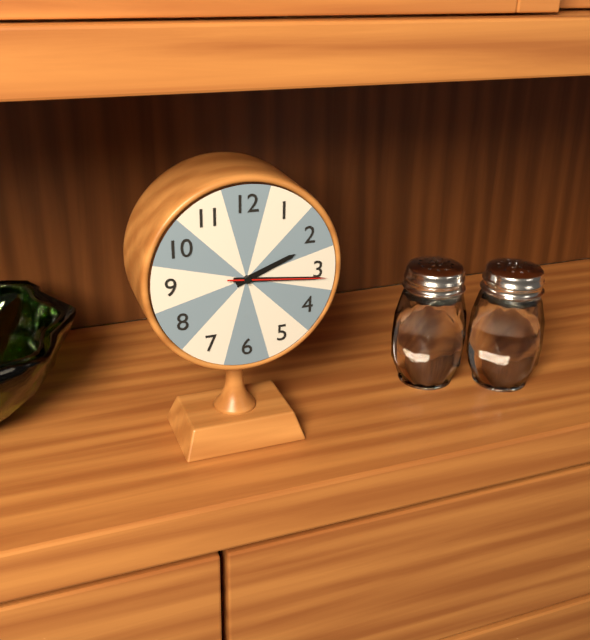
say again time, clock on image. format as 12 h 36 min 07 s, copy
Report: 2 h 16 min 16 s
